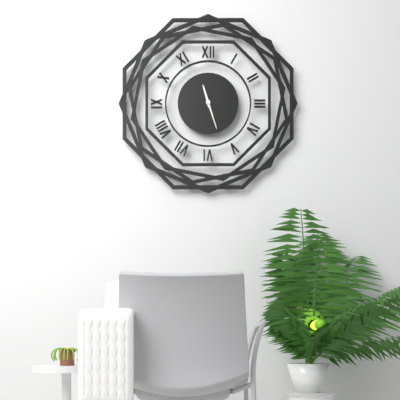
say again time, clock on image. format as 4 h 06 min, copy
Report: 11 h 27 min
